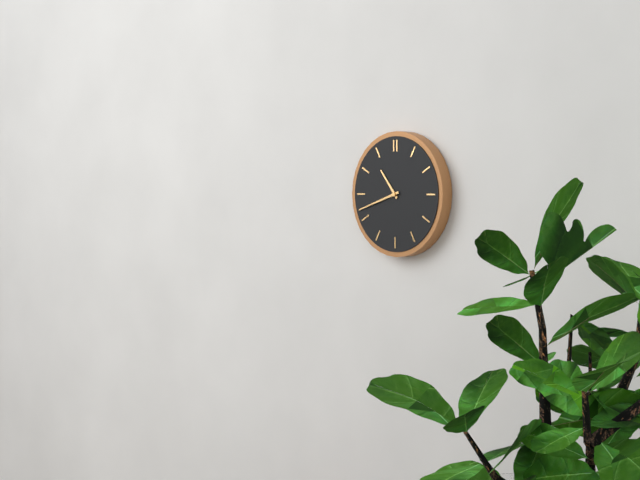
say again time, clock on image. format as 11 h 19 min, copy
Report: 10 h 42 min
